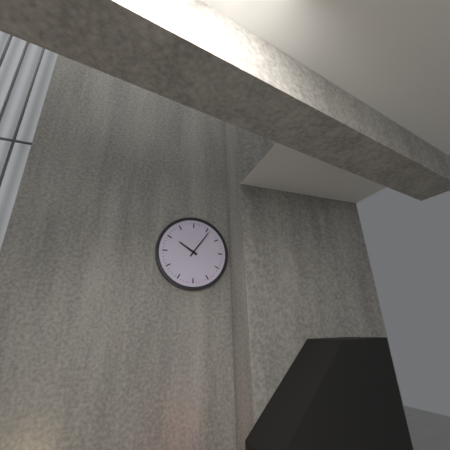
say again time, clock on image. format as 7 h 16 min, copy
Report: 10 h 06 min
